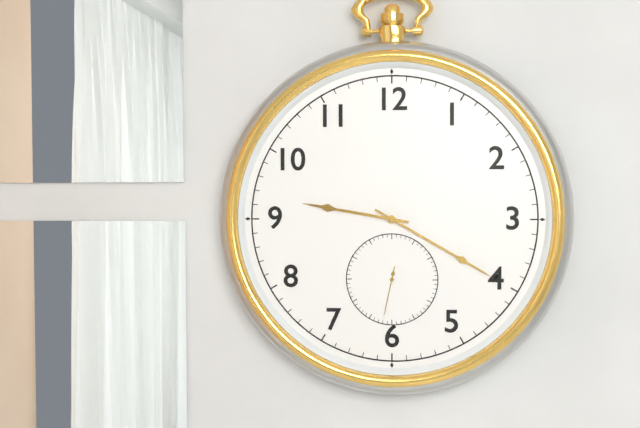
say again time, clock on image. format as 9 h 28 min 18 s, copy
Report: 9 h 20 min 32 s
